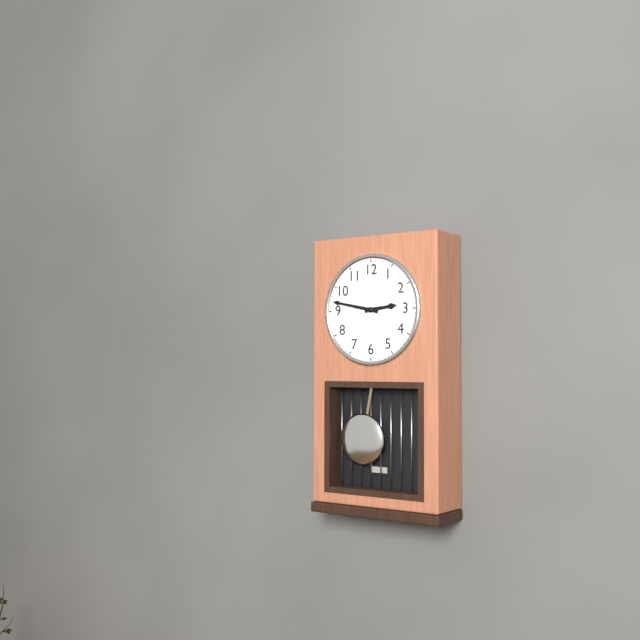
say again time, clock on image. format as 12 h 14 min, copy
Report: 2 h 47 min
